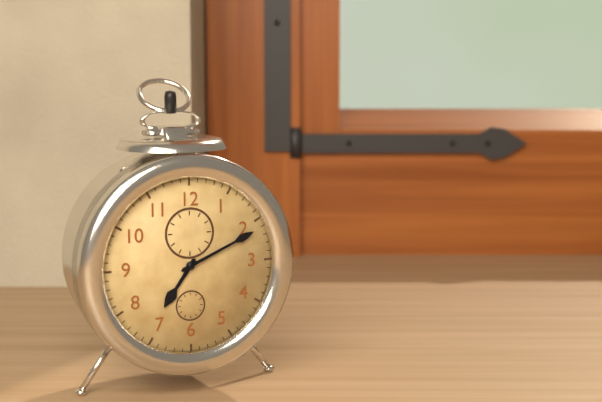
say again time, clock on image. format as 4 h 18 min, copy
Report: 7 h 11 min
